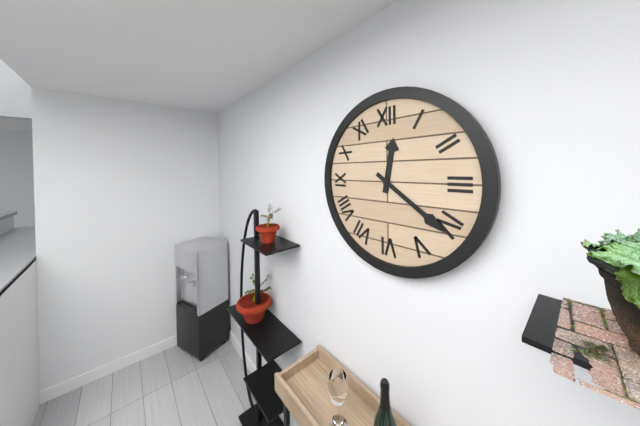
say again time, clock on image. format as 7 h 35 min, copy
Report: 12 h 21 min
